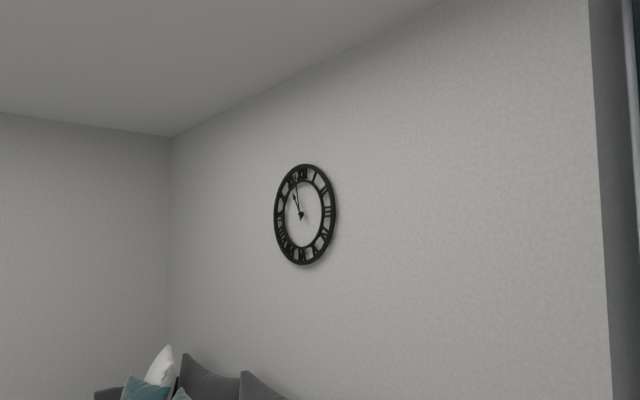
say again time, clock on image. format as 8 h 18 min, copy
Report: 10 h 58 min
